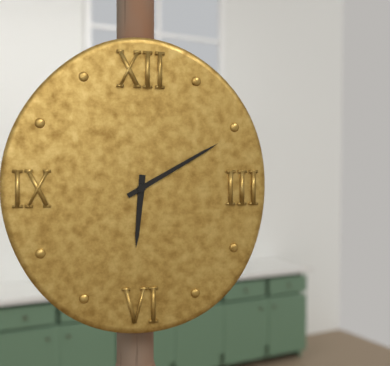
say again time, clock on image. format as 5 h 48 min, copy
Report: 6 h 10 min
